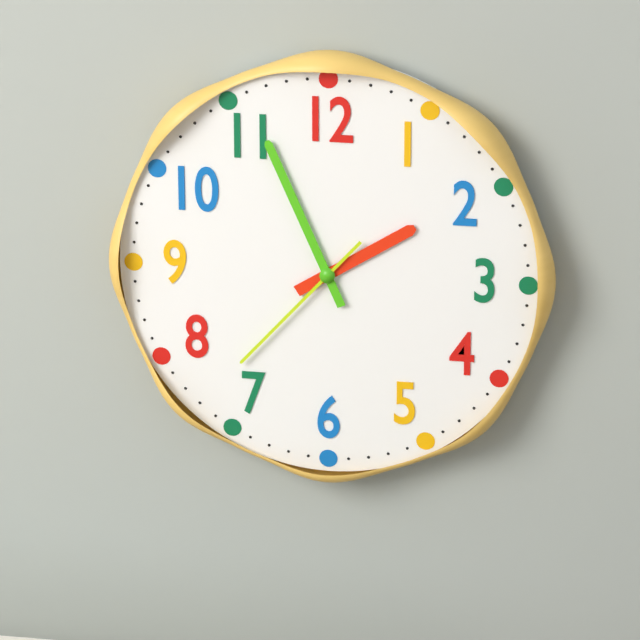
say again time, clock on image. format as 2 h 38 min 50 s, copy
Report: 1 h 56 min 37 s
